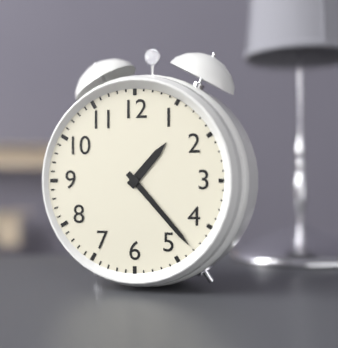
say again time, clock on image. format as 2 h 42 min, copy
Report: 1 h 23 min
